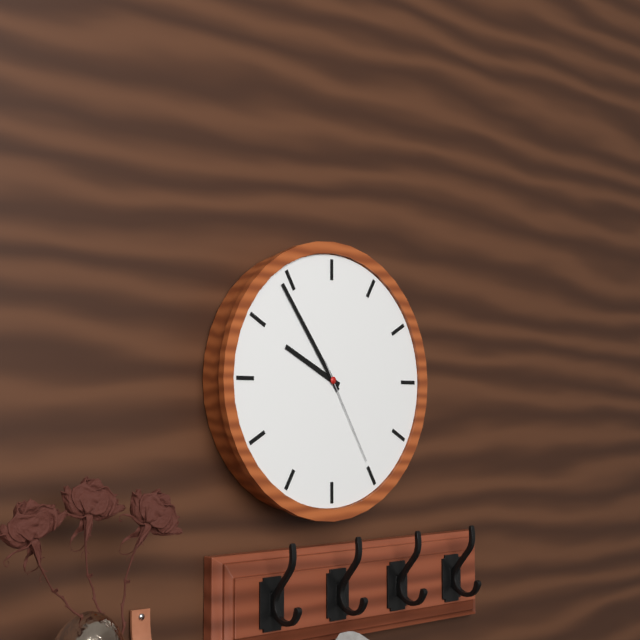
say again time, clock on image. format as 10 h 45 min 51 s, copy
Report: 9 h 54 min 25 s
